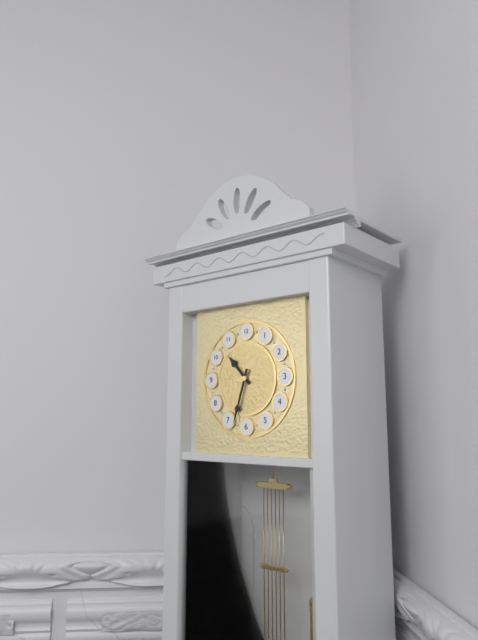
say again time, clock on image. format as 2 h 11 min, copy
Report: 10 h 33 min
